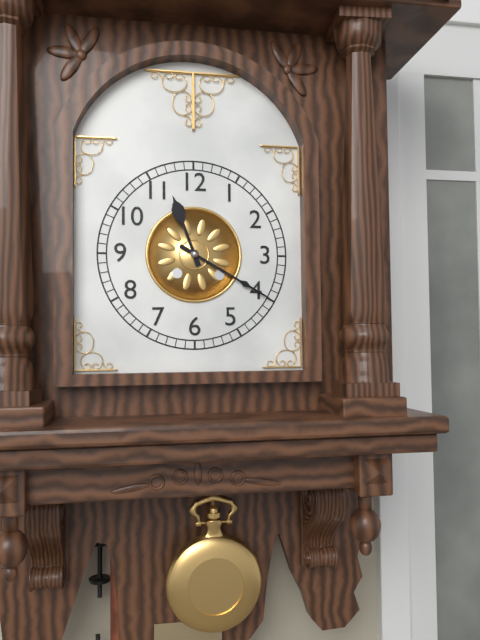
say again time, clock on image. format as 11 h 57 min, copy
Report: 11 h 20 min
